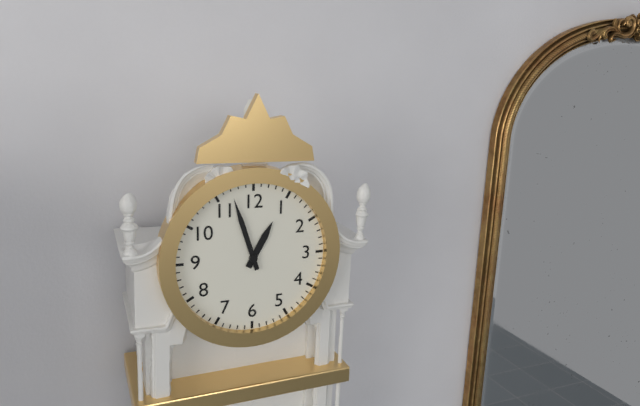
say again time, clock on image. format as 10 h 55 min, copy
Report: 12 h 57 min
